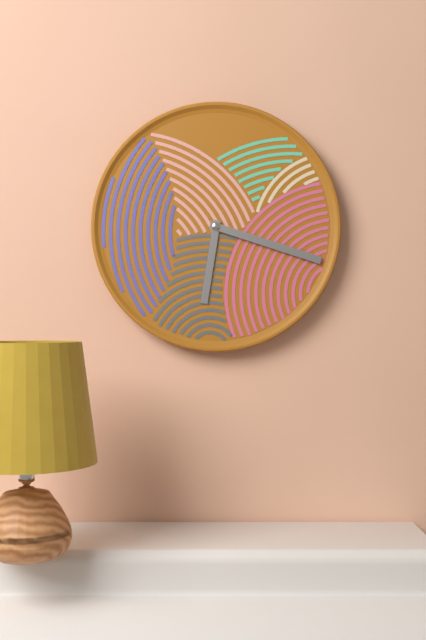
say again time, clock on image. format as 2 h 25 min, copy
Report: 6 h 18 min
